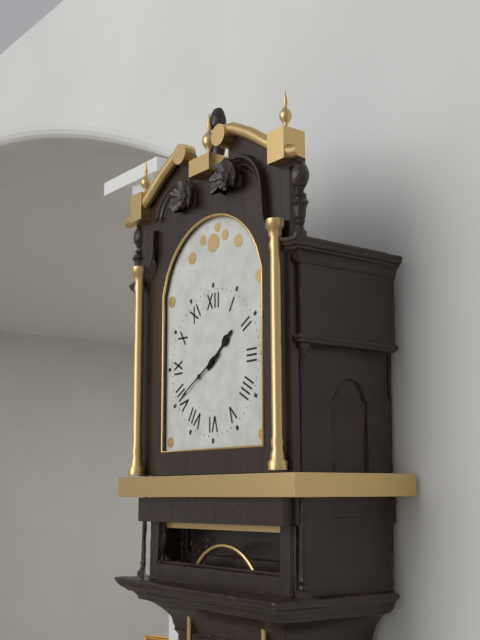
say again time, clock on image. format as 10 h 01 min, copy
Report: 1 h 40 min
